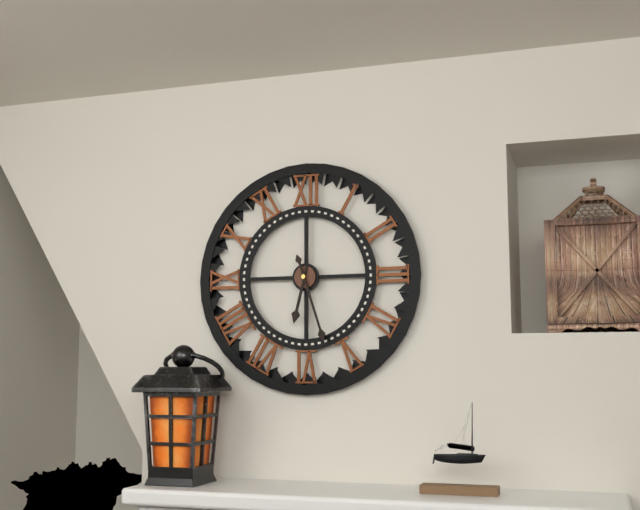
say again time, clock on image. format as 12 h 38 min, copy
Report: 6 h 27 min
